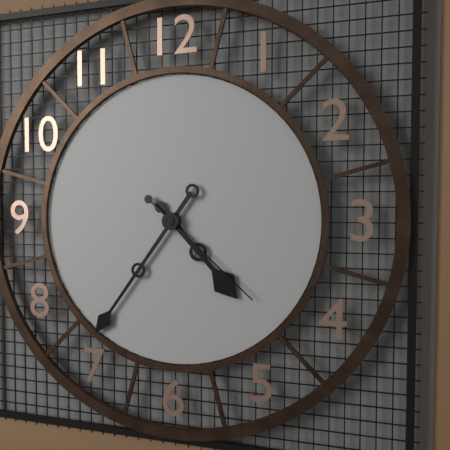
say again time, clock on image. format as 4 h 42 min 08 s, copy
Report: 4 h 36 min 22 s
